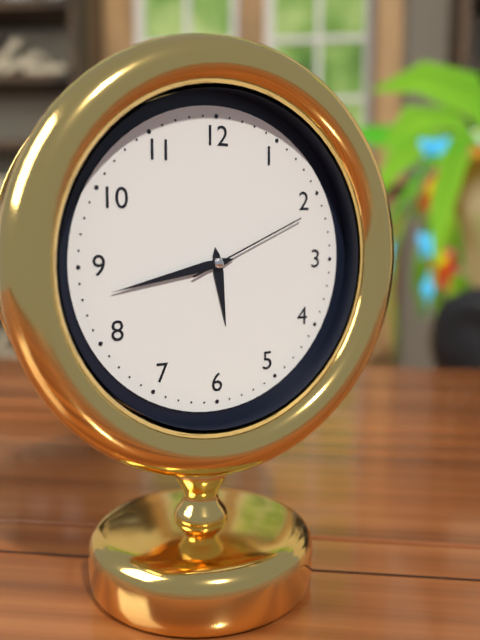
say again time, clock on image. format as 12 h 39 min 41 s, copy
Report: 5 h 43 min 11 s
